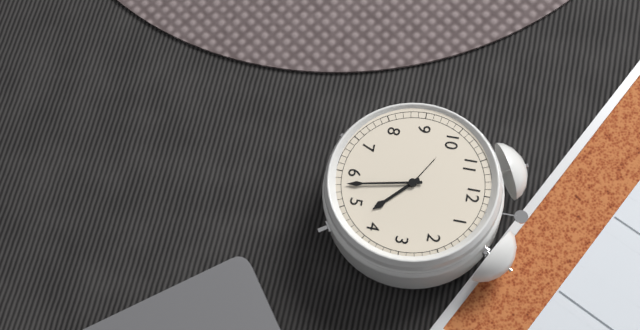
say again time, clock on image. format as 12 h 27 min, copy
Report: 4 h 28 min
